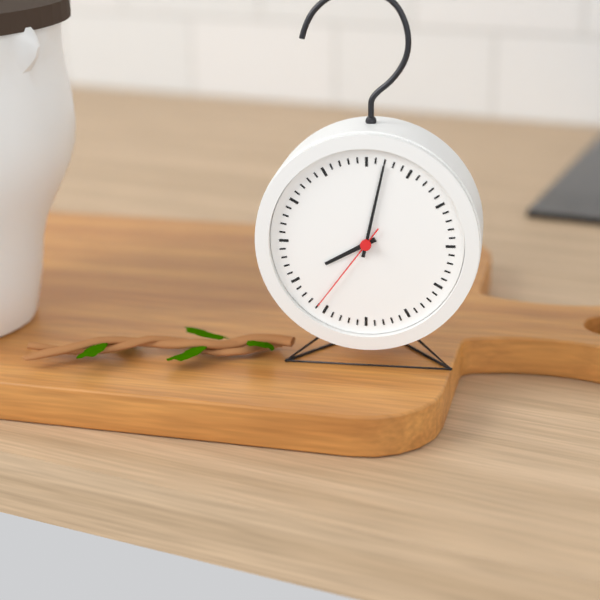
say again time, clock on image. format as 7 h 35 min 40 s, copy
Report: 8 h 02 min 36 s
